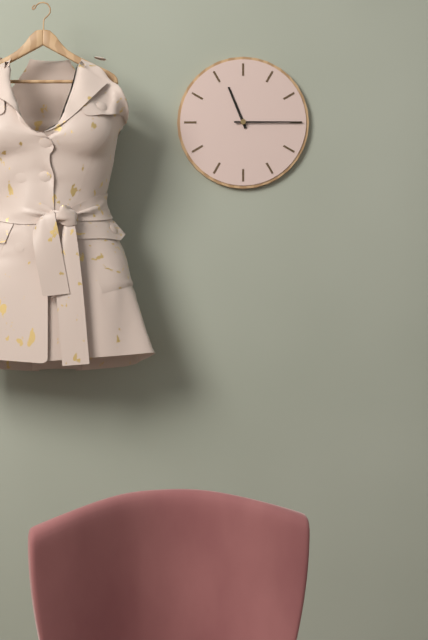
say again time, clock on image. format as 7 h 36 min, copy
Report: 11 h 15 min
